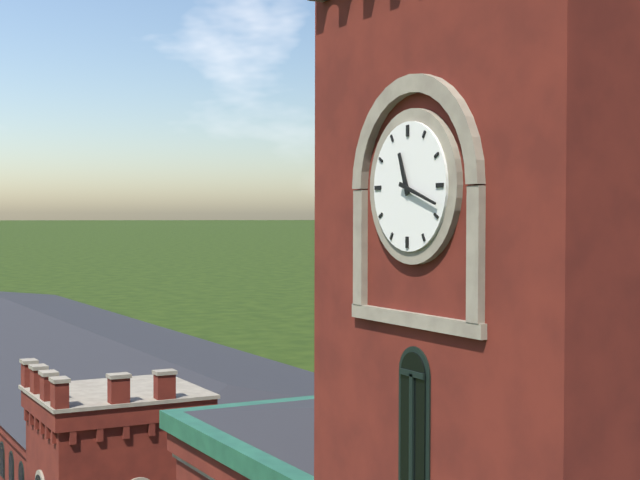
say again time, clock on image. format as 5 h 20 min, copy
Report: 11 h 18 min
